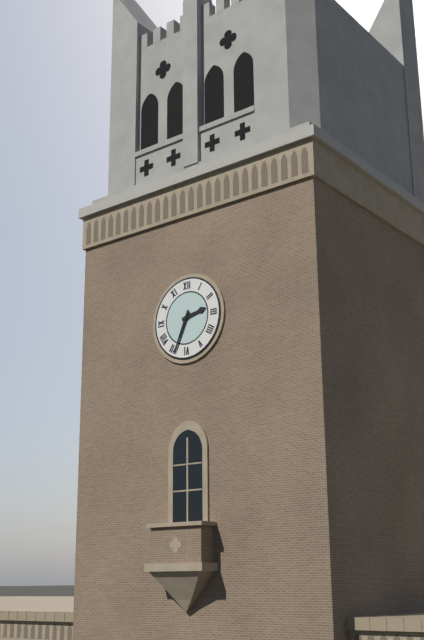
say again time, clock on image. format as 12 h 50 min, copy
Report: 2 h 34 min
